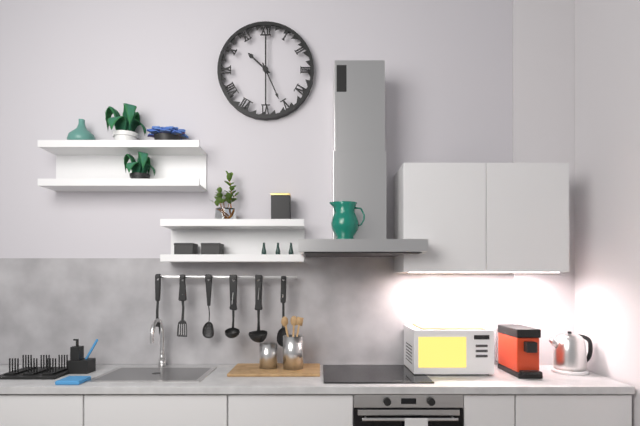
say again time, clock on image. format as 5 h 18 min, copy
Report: 10 h 26 min
